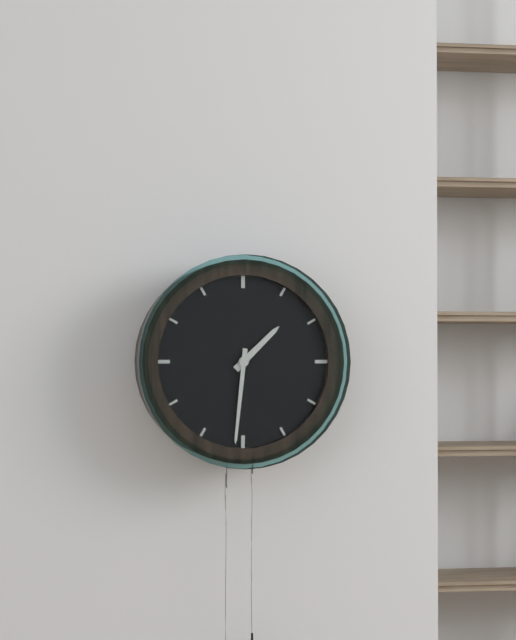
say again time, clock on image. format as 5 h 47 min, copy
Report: 1 h 31 min
